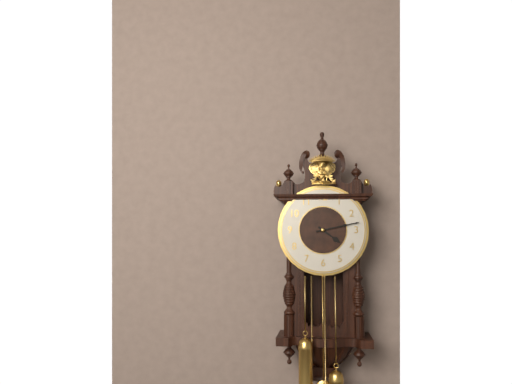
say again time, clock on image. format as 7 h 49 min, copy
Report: 4 h 13 min
